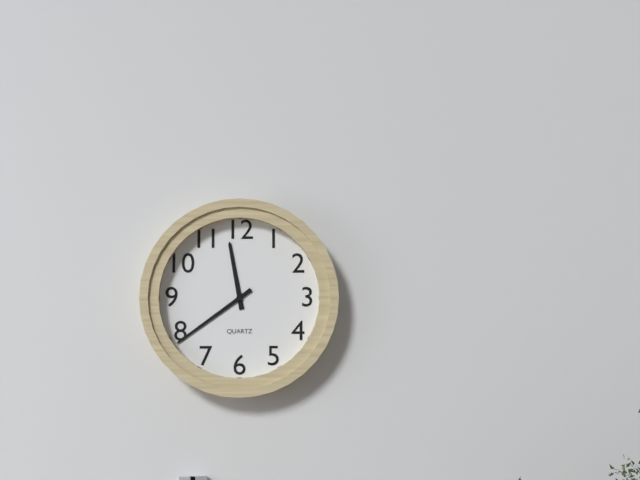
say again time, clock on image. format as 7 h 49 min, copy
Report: 11 h 39 min
